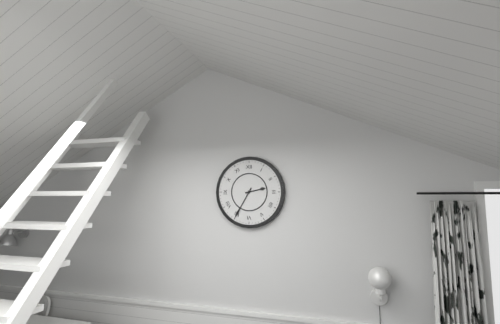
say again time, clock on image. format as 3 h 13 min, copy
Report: 2 h 35 min
